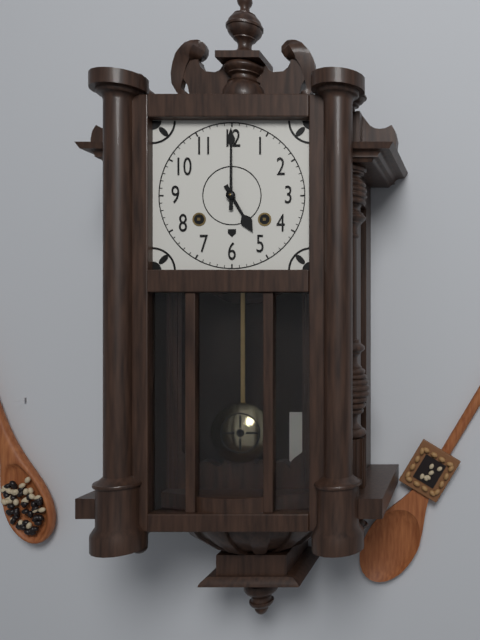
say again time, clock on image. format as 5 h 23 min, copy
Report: 5 h 00 min
